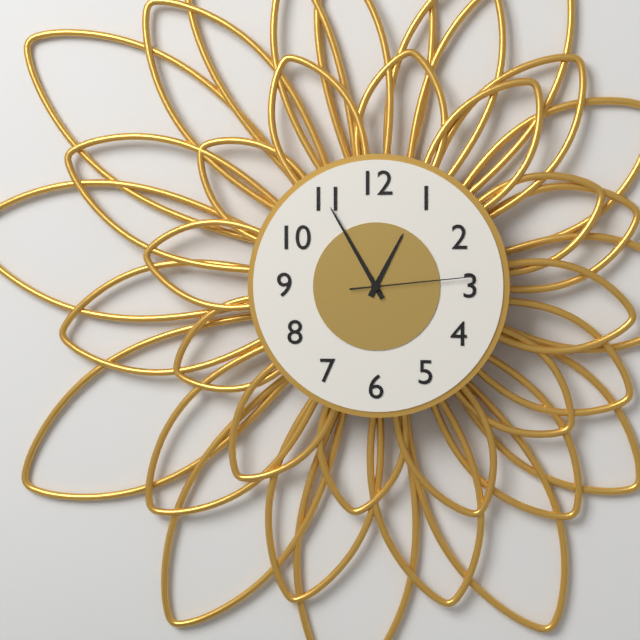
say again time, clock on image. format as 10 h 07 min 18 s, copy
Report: 12 h 55 min 14 s
